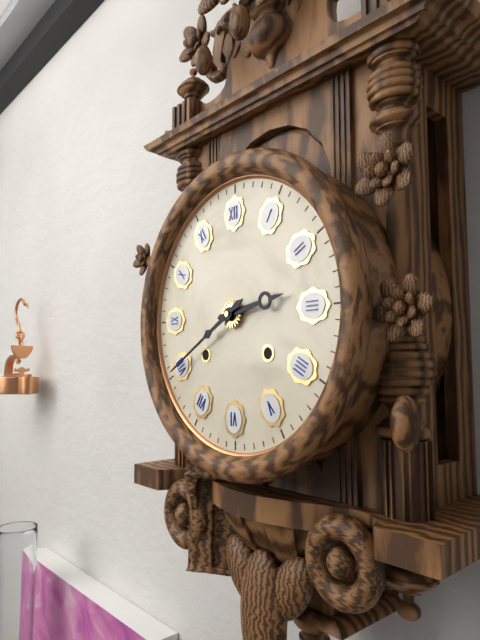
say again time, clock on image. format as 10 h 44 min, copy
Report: 2 h 40 min
